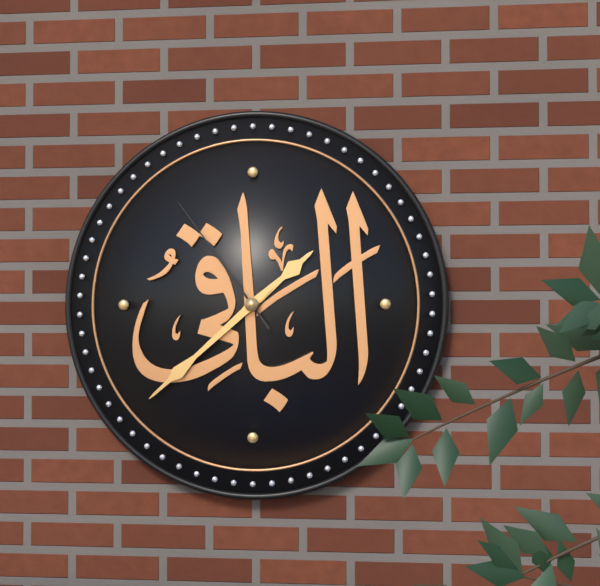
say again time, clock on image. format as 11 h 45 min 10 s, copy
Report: 1 h 38 min 54 s
